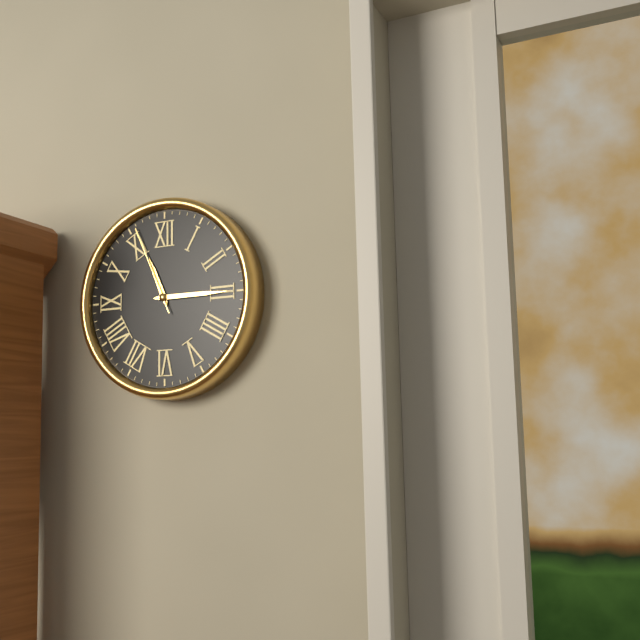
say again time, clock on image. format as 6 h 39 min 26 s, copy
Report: 11 h 15 min 56 s
